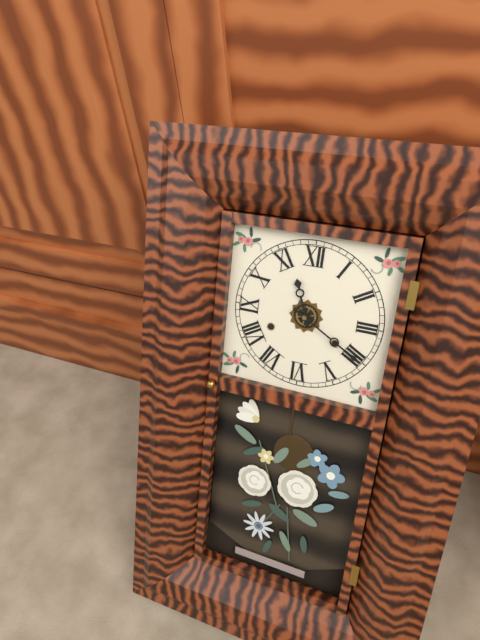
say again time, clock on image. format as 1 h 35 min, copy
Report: 11 h 20 min
